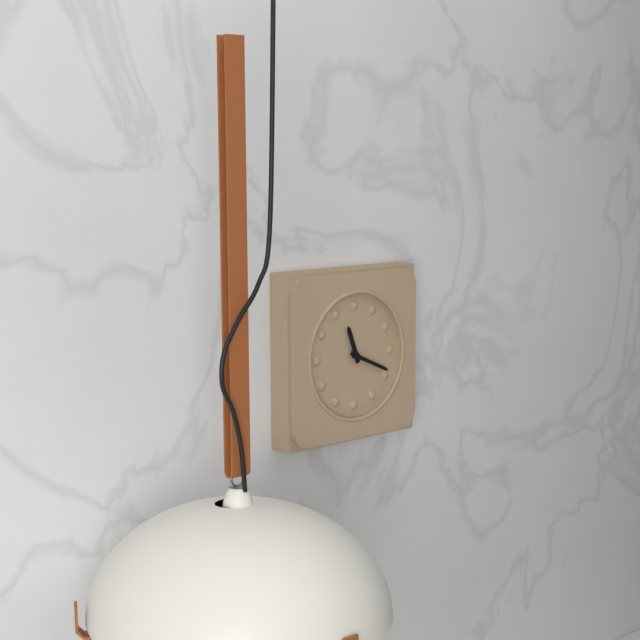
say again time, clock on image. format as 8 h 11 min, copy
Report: 11 h 19 min
